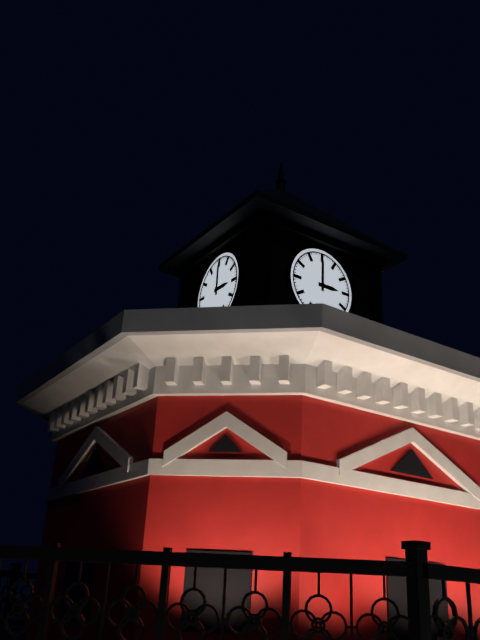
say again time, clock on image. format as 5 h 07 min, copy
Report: 3 h 00 min
